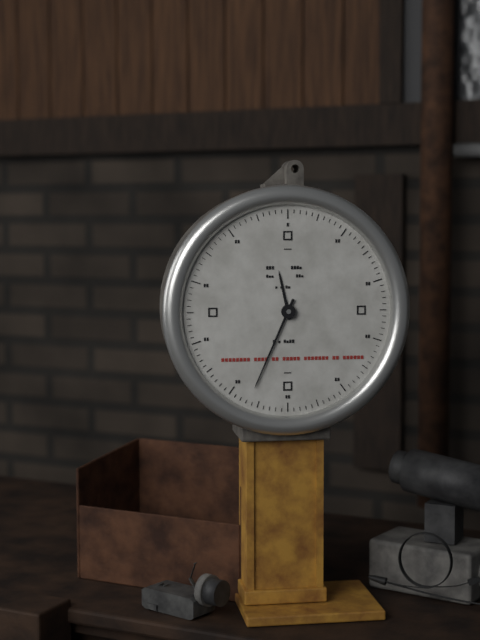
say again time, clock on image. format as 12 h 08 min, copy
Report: 11 h 34 min
